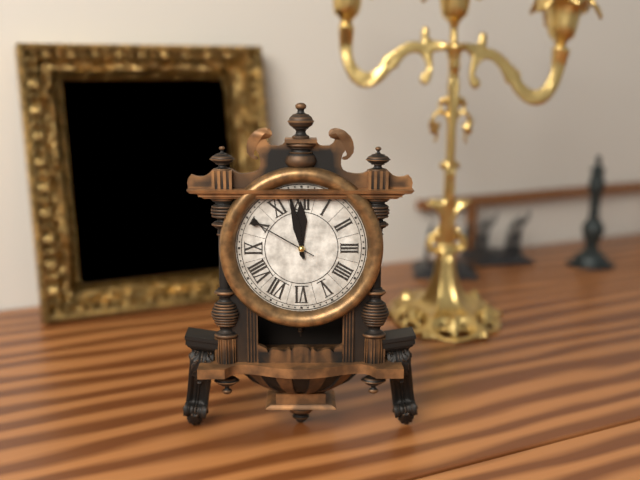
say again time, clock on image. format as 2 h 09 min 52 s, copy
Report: 11 h 58 min 50 s
